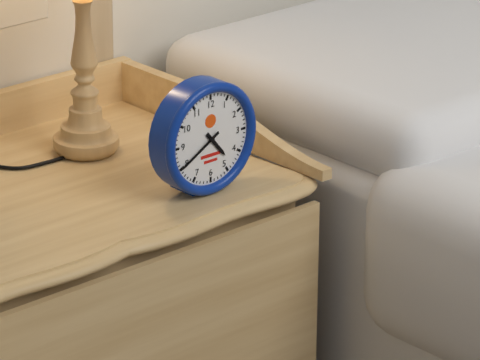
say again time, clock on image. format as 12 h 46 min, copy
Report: 4 h 40 min
